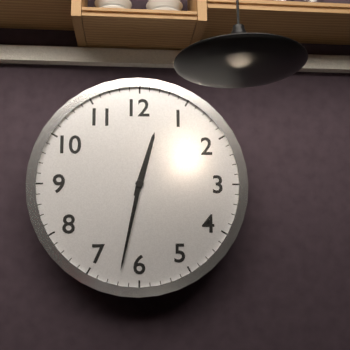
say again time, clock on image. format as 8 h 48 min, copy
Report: 12 h 32 min
